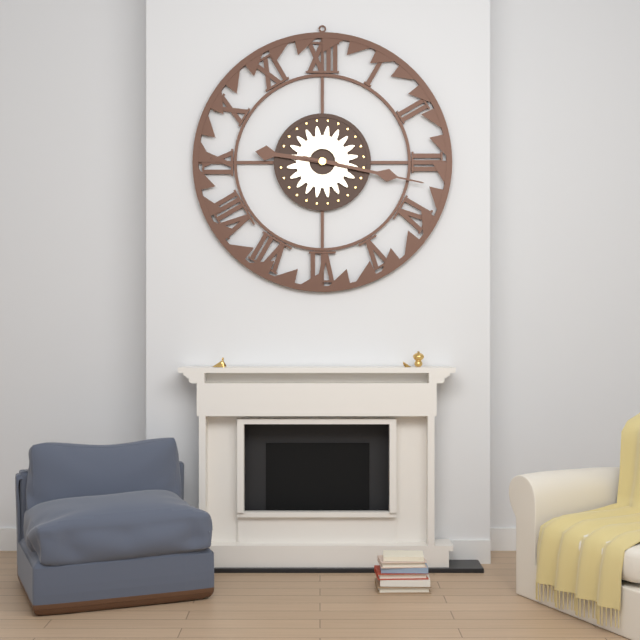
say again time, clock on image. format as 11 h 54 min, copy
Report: 9 h 17 min
